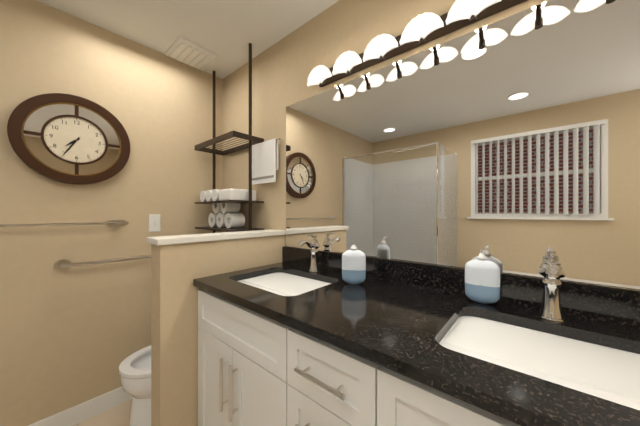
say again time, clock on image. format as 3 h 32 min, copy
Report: 7 h 35 min
